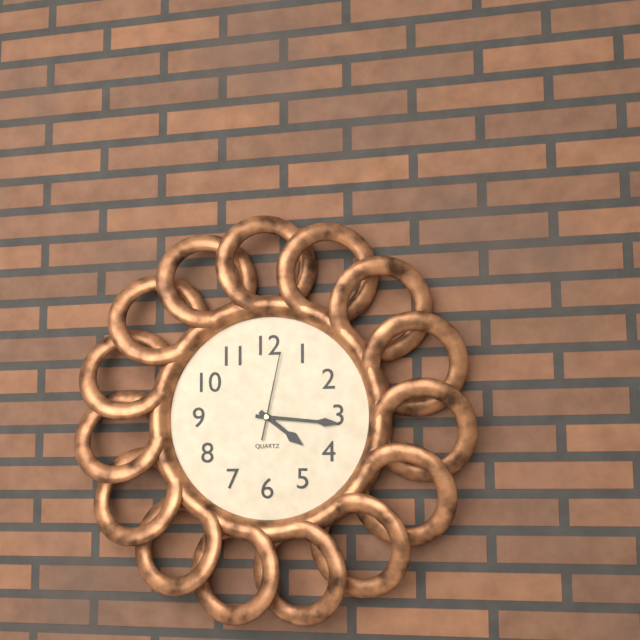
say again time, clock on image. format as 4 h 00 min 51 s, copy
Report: 4 h 16 min 02 s
